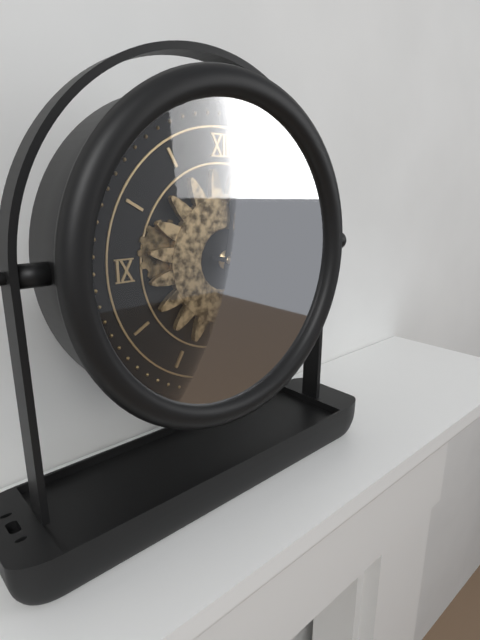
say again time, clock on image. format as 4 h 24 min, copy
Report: 12 h 17 min
